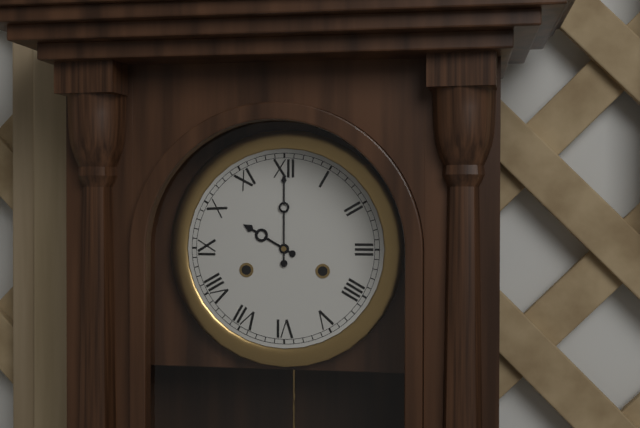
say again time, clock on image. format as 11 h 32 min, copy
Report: 10 h 00 min
